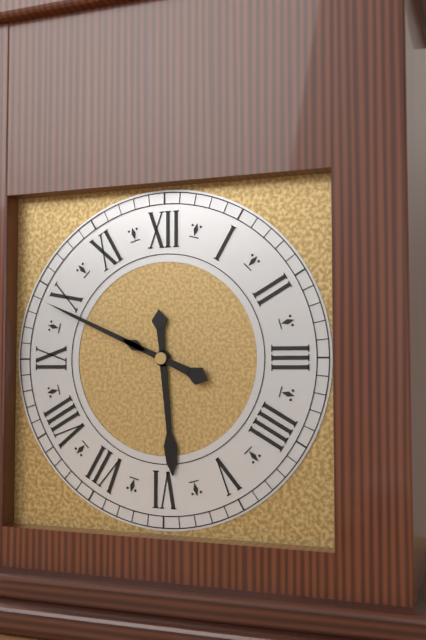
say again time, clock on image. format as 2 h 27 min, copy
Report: 5 h 49 min
